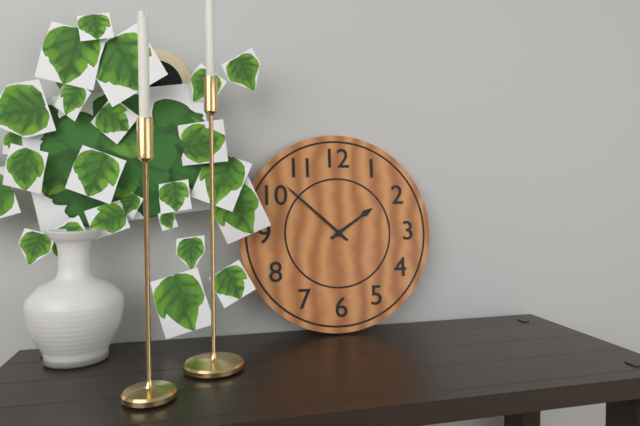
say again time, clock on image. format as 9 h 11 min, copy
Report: 1 h 52 min
